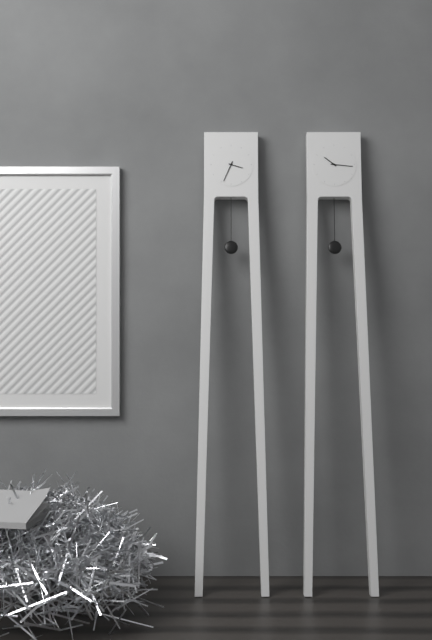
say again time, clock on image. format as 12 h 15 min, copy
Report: 3 h 34 min
